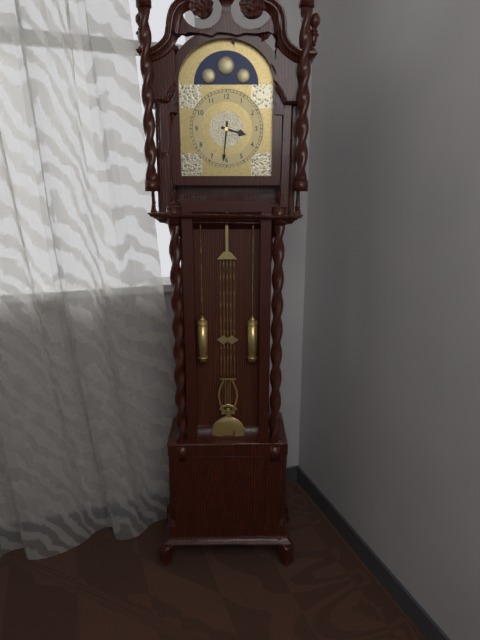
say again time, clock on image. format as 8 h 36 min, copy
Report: 3 h 31 min
